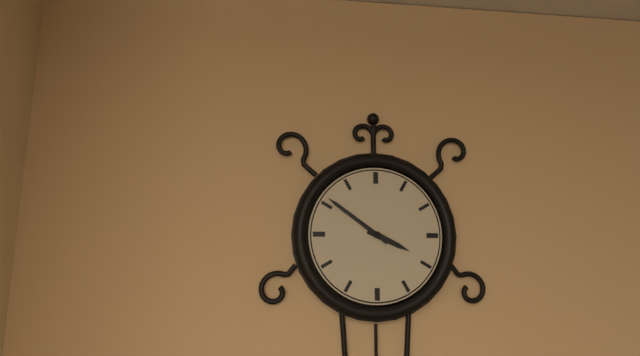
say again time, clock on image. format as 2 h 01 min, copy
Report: 3 h 51 min
